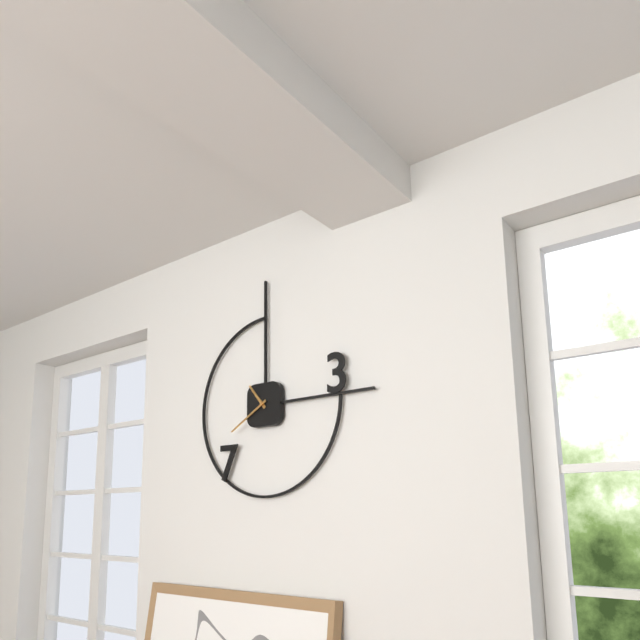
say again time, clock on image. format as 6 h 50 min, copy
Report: 10 h 40 min
